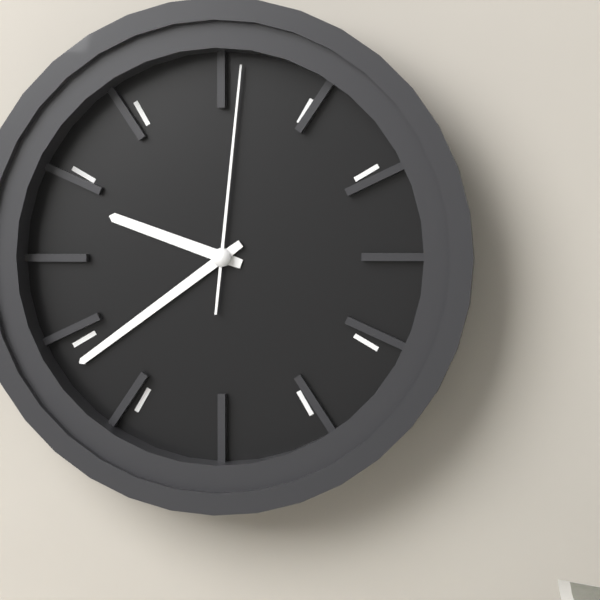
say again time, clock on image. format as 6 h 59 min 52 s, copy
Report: 9 h 39 min 01 s
